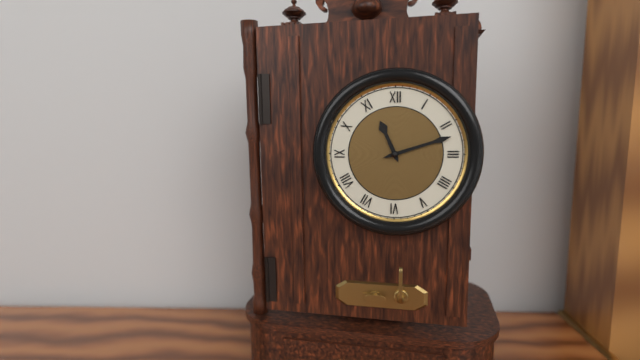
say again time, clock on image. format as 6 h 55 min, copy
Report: 11 h 12 min
